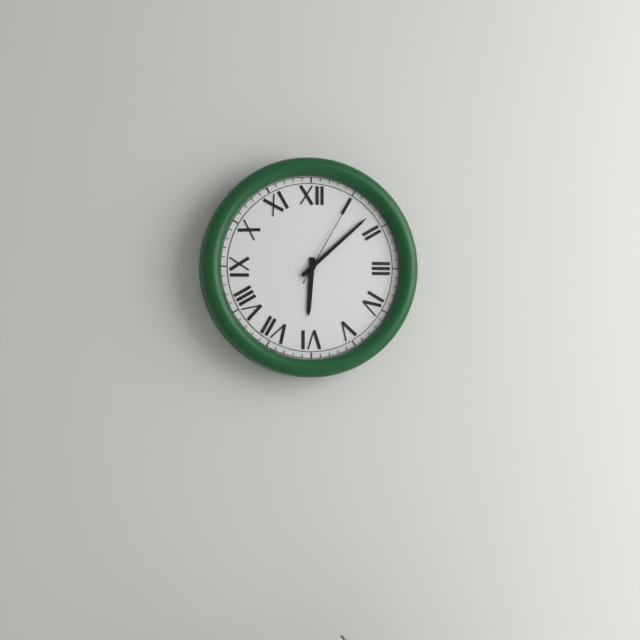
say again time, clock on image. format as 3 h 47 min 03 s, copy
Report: 6 h 08 min 05 s
